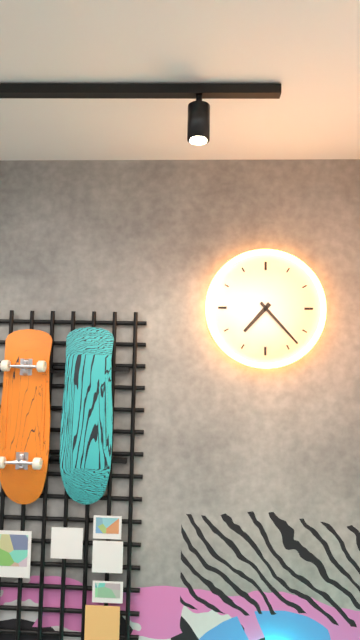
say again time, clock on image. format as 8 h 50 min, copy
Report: 7 h 23 min
